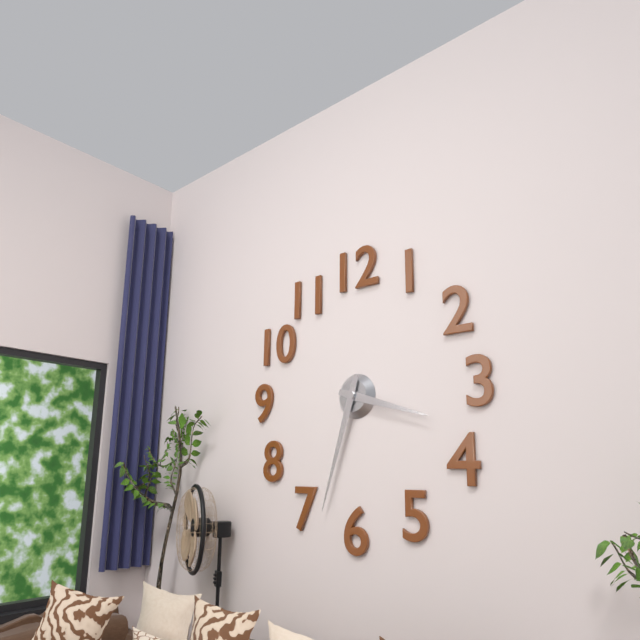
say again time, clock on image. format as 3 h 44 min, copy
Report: 3 h 33 min
